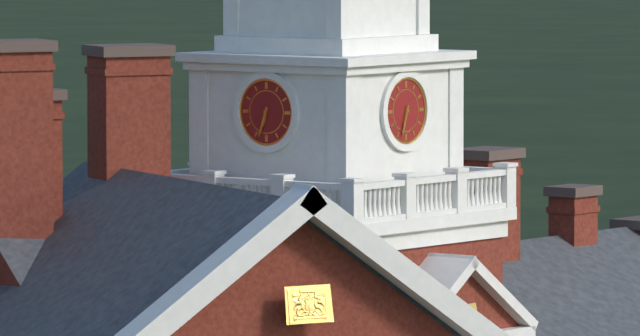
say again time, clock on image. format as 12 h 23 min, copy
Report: 6 h 33 min
